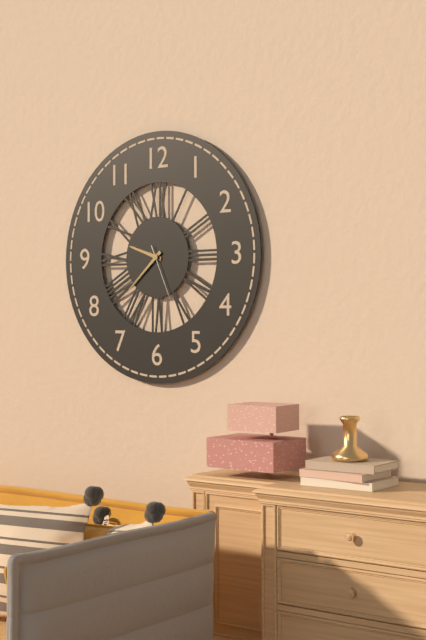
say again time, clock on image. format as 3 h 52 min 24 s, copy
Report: 9 h 38 min 26 s
